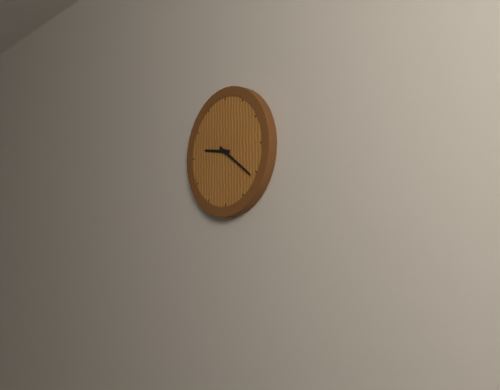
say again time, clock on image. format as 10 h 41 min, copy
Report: 9 h 21 min
